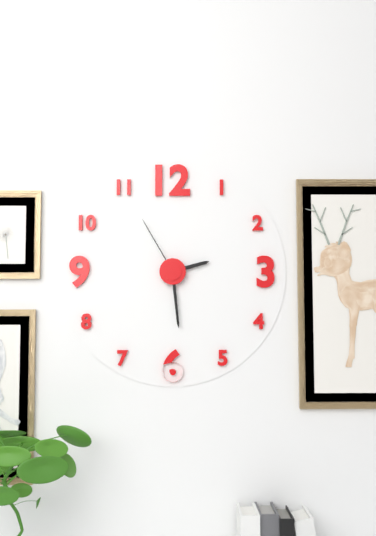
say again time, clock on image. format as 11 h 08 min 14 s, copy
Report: 2 h 29 min 55 s
